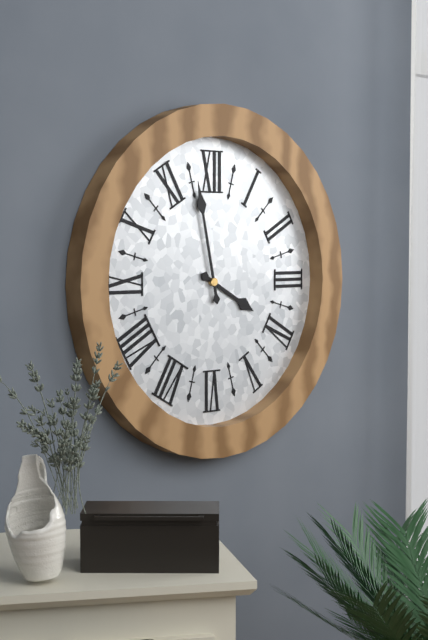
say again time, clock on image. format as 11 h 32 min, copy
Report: 3 h 58 min
